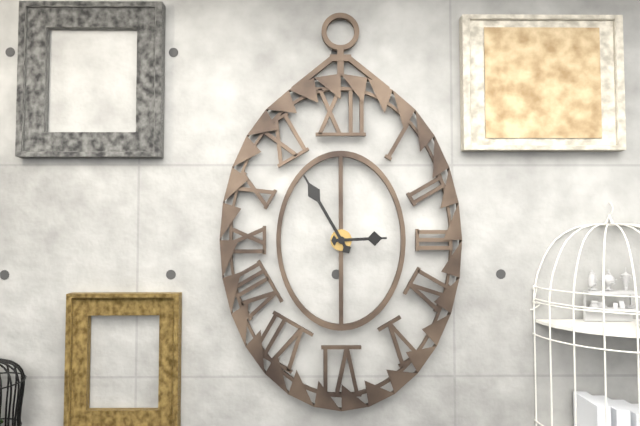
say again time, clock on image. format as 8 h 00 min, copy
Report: 2 h 55 min
